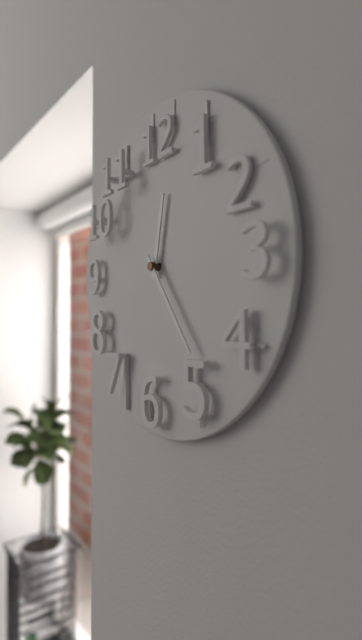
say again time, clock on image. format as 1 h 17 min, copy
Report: 12 h 24 min
